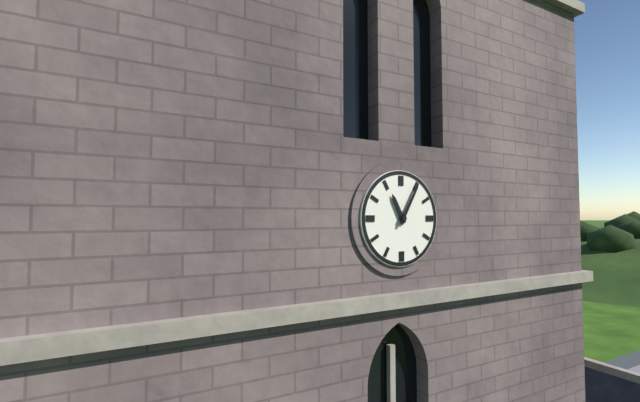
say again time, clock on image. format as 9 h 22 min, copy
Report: 11 h 05 min
